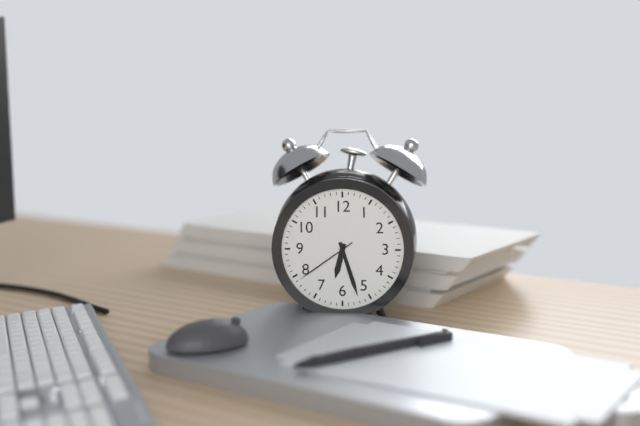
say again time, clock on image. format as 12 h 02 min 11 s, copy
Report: 6 h 27 min 39 s
